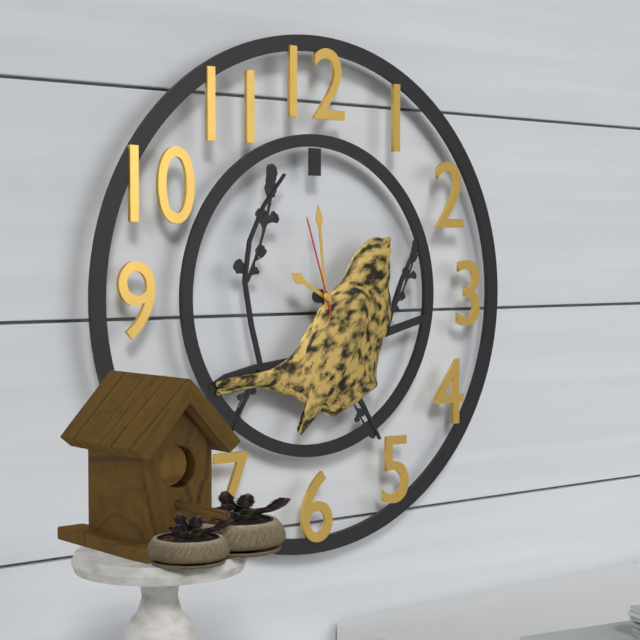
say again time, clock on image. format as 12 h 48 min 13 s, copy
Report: 9 h 59 min 57 s
